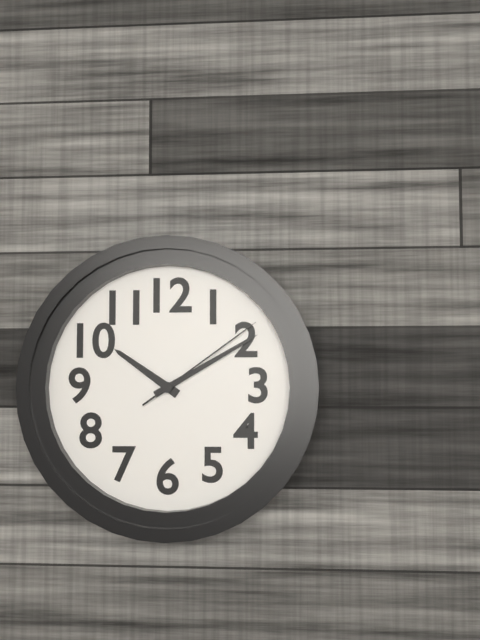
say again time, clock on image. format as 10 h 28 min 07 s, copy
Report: 10 h 10 min 09 s
